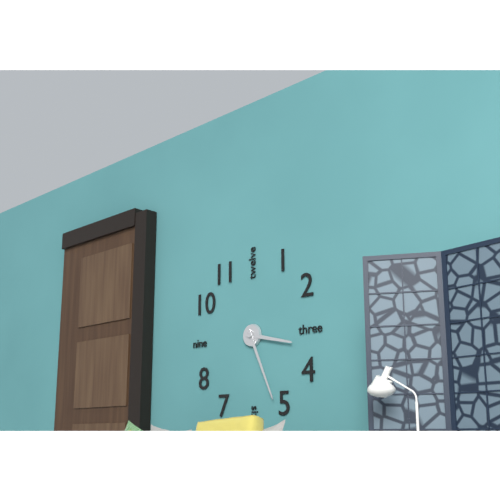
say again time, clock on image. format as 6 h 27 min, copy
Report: 3 h 26 min
